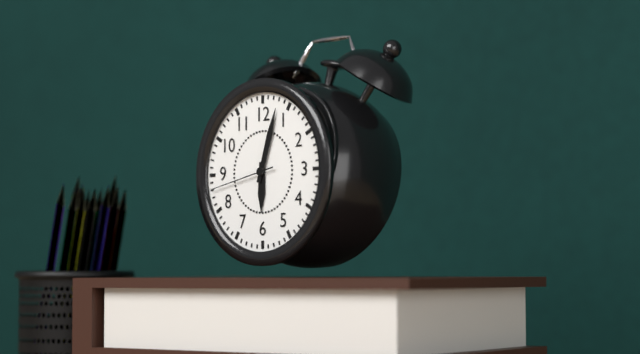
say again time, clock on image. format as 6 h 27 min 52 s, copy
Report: 6 h 03 min 43 s
